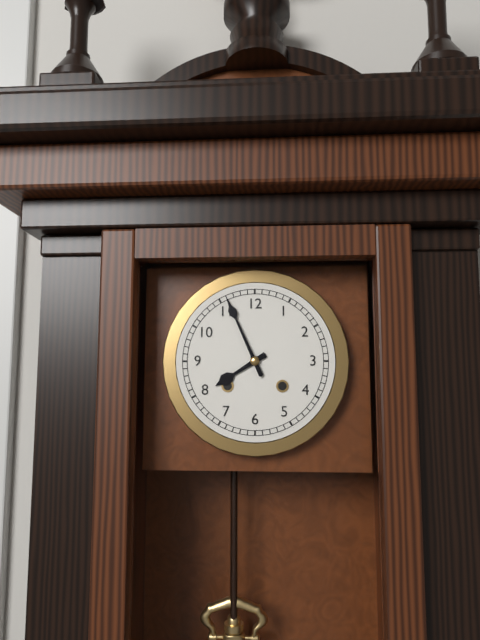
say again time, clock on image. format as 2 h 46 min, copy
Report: 7 h 56 min
